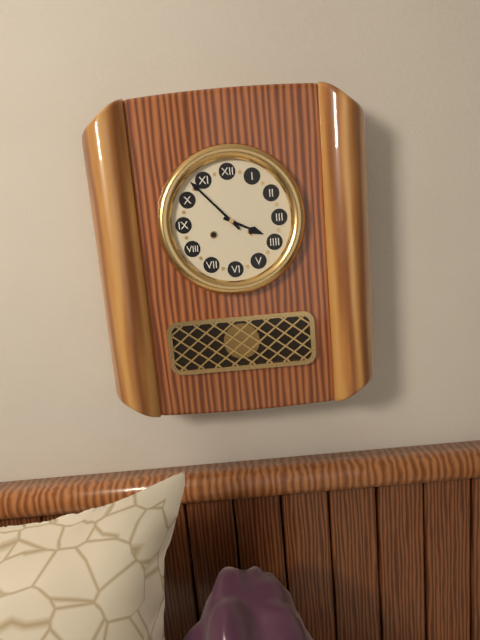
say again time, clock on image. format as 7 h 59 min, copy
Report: 3 h 53 min
